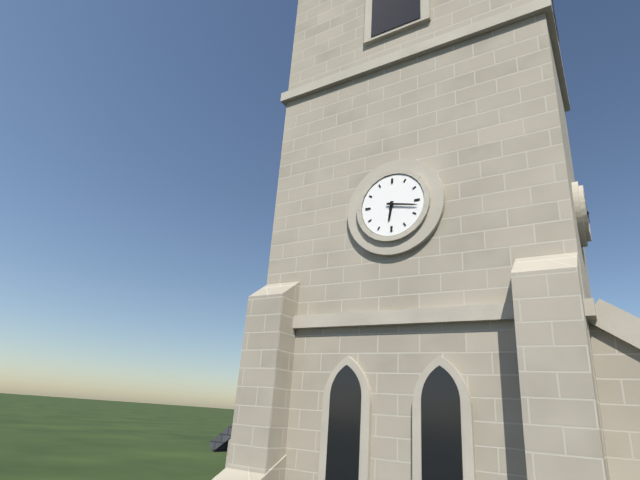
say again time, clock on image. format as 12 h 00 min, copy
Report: 6 h 17 min
